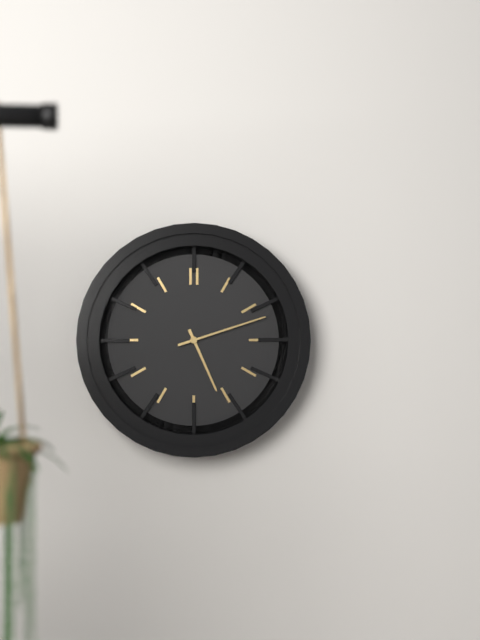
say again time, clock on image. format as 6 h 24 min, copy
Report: 5 h 12 min
